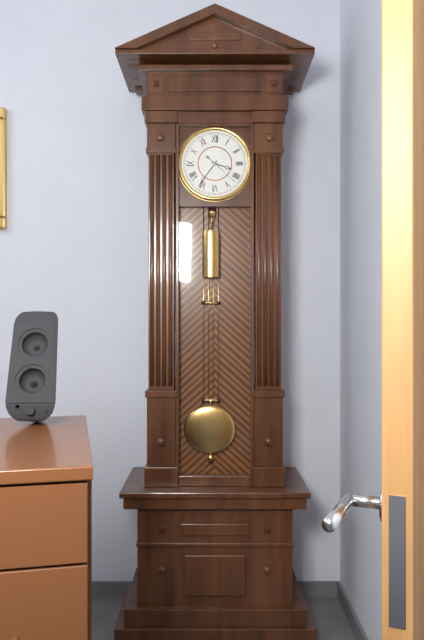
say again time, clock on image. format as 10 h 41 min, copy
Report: 3 h 36 min
